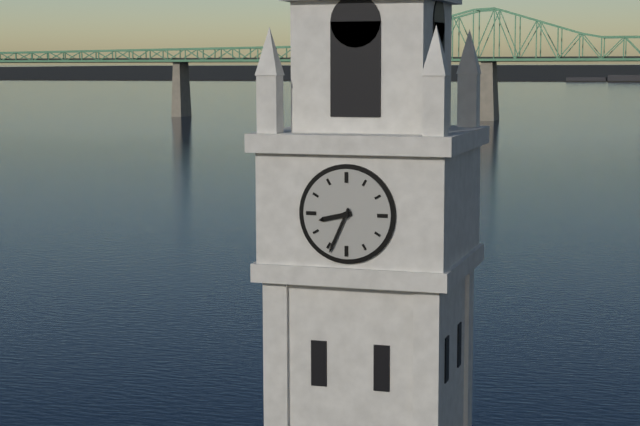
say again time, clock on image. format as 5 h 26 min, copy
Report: 8 h 34 min
